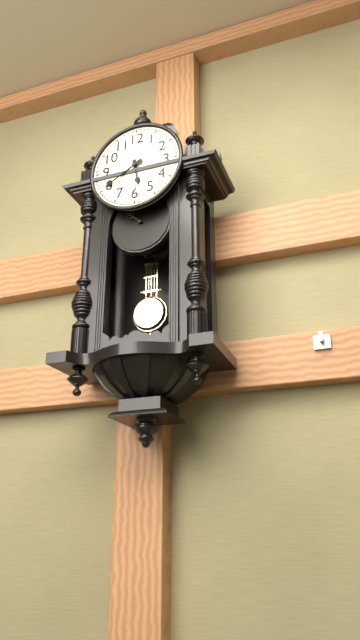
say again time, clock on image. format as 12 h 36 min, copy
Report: 5 h 40 min
